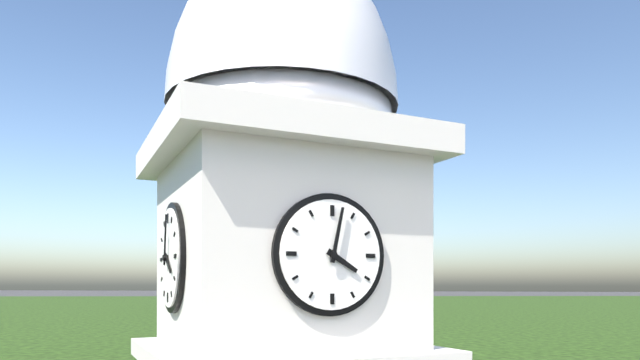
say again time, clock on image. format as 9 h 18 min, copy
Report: 4 h 02 min
